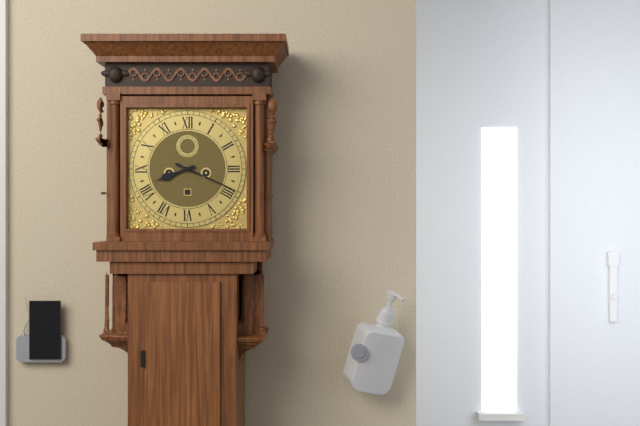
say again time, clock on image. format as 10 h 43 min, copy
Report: 8 h 19 min
